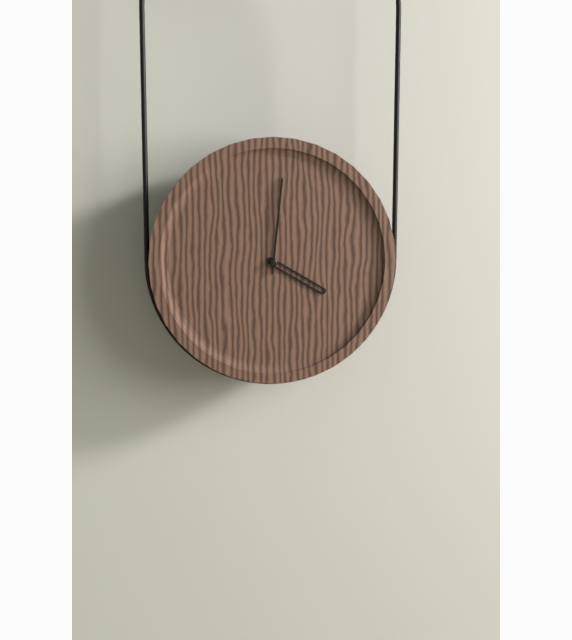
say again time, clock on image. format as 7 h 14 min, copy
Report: 4 h 01 min
